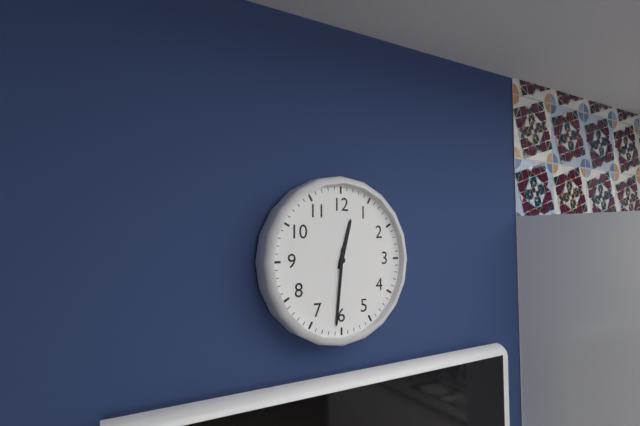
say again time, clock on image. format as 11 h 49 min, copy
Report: 12 h 31 min
